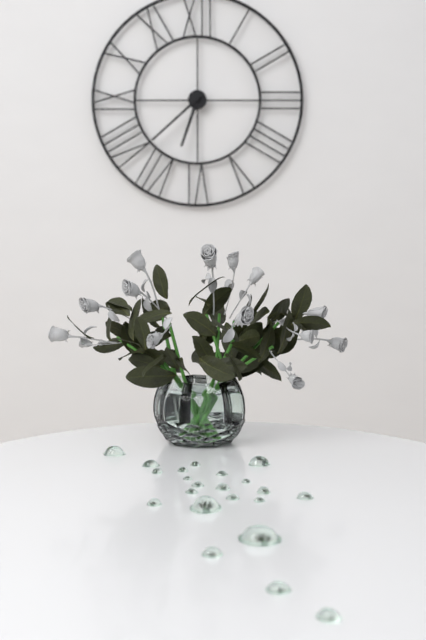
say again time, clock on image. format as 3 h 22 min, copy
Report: 6 h 38 min
